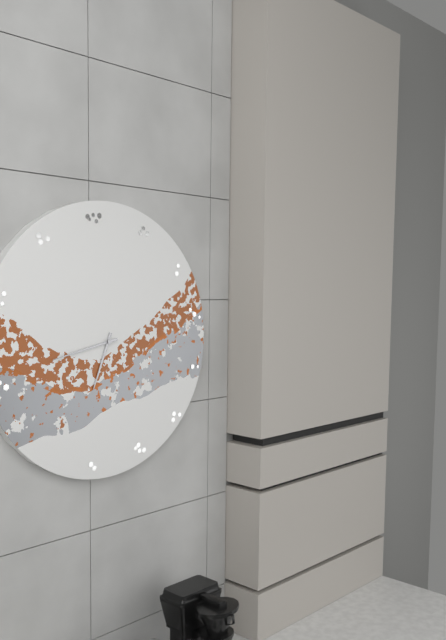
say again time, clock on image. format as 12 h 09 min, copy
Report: 6 h 43 min
